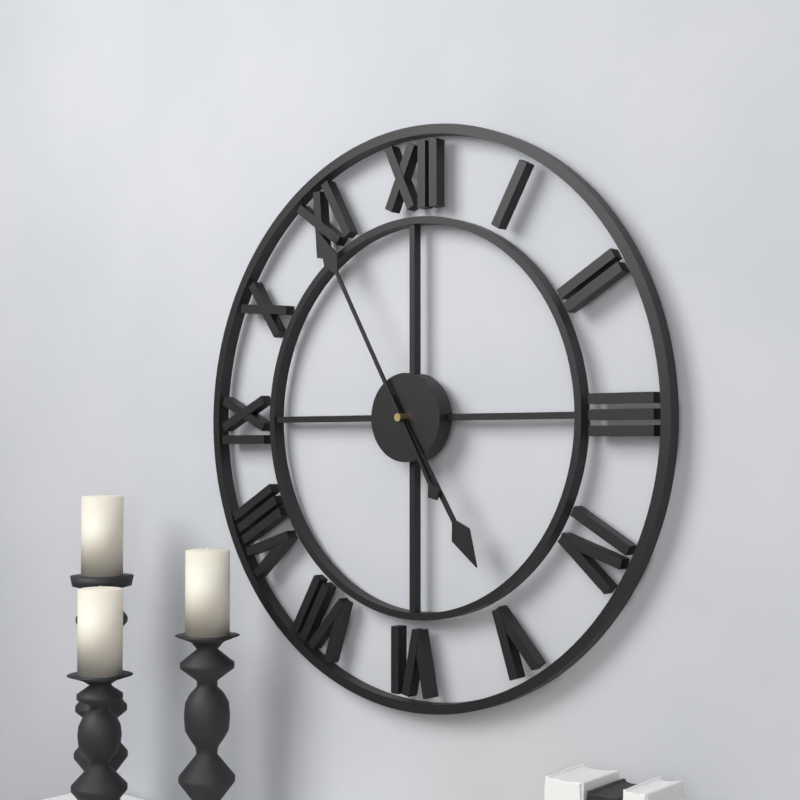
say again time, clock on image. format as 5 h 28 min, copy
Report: 4 h 55 min
